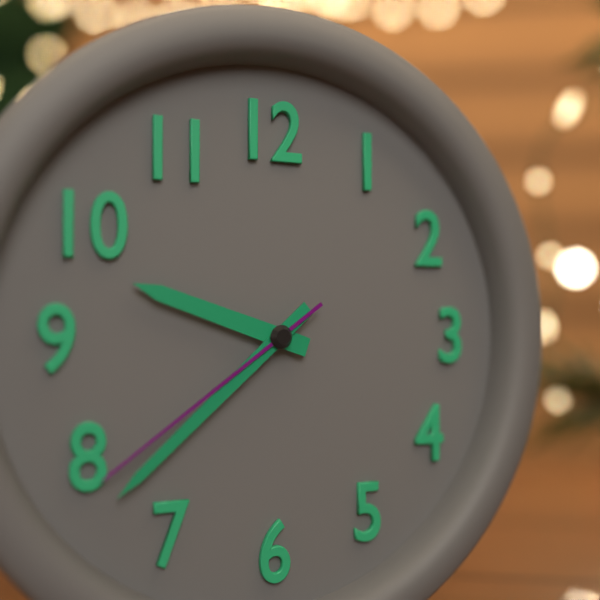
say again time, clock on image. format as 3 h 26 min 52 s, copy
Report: 9 h 38 min 39 s
